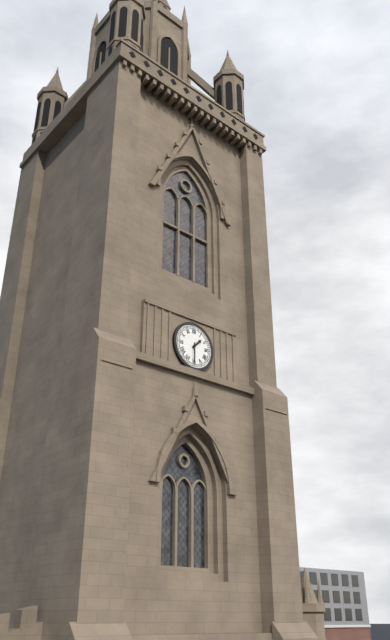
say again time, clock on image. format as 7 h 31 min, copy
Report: 1 h 30 min
